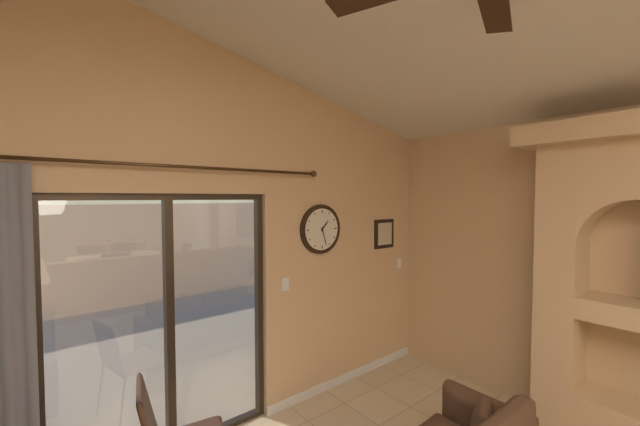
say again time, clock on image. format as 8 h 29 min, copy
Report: 1 h 27 min
